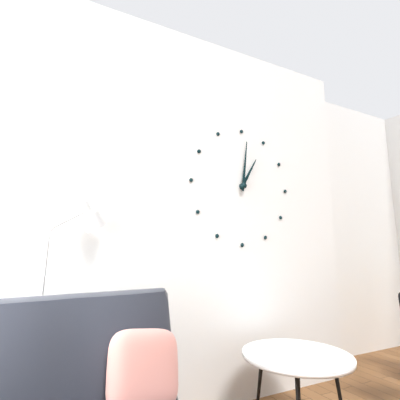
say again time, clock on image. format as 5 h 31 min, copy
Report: 1 h 01 min
